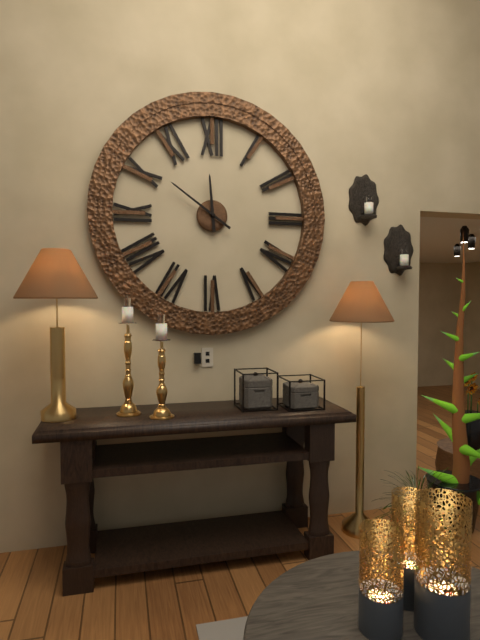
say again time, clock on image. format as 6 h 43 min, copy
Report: 11 h 51 min
